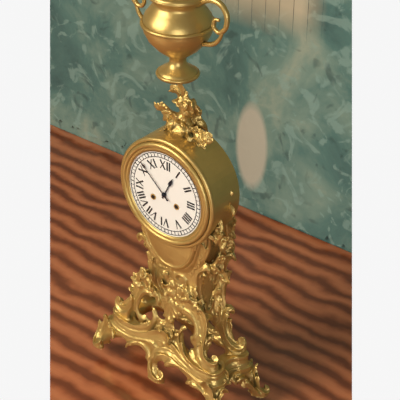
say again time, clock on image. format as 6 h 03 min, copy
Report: 12 h 52 min
